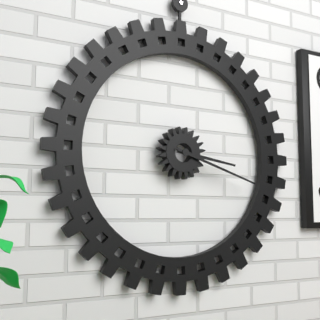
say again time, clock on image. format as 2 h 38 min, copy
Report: 3 h 18 min
